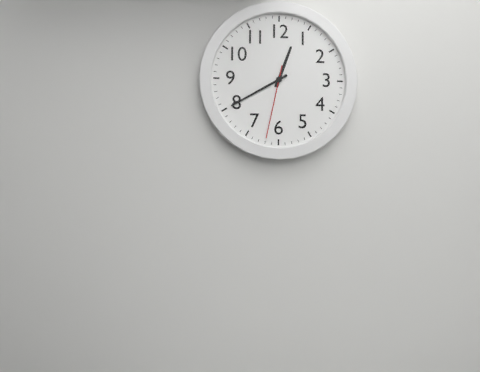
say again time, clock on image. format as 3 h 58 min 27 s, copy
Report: 12 h 40 min 32 s
